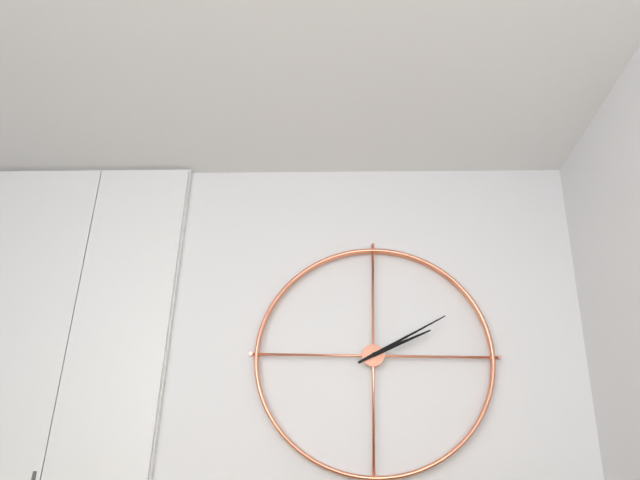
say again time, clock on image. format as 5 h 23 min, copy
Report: 2 h 10 min
